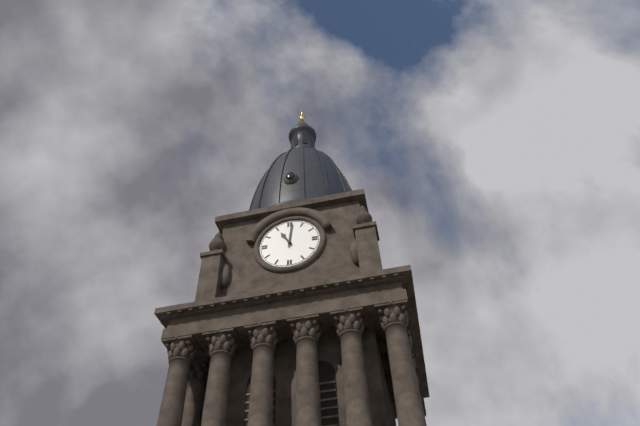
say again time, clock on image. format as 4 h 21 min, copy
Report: 11 h 01 min
